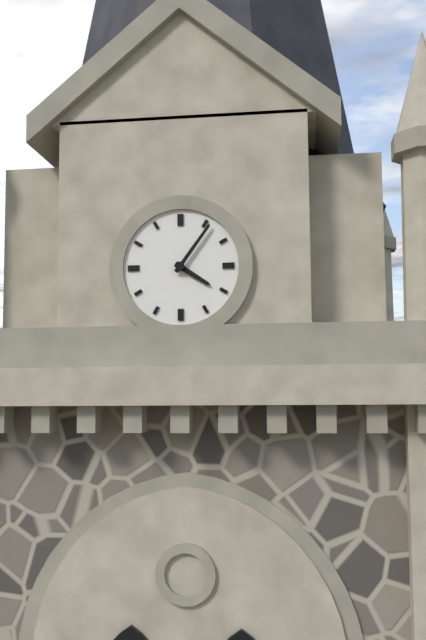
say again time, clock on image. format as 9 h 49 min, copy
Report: 4 h 06 min
